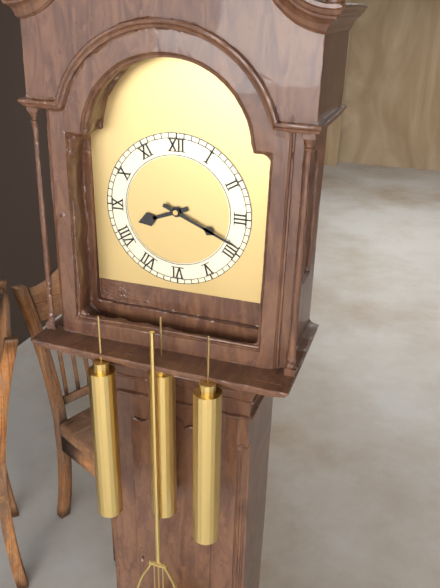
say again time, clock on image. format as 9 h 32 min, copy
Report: 8 h 19 min
